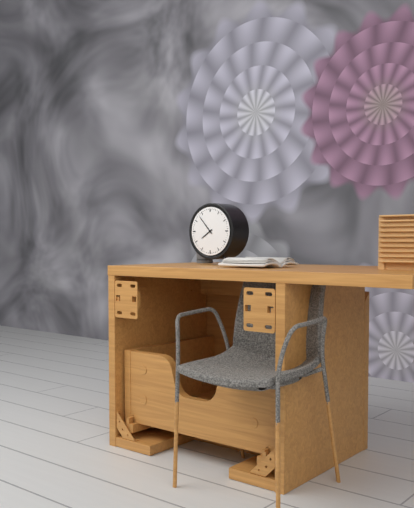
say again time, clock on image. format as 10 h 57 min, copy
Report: 7 h 53 min
